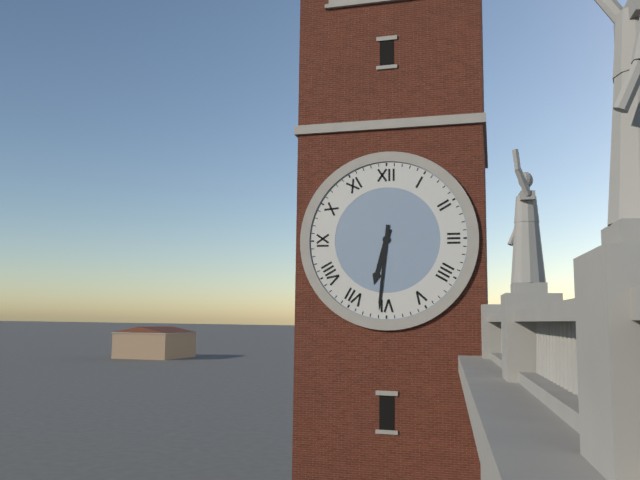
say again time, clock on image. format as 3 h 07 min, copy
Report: 6 h 31 min
